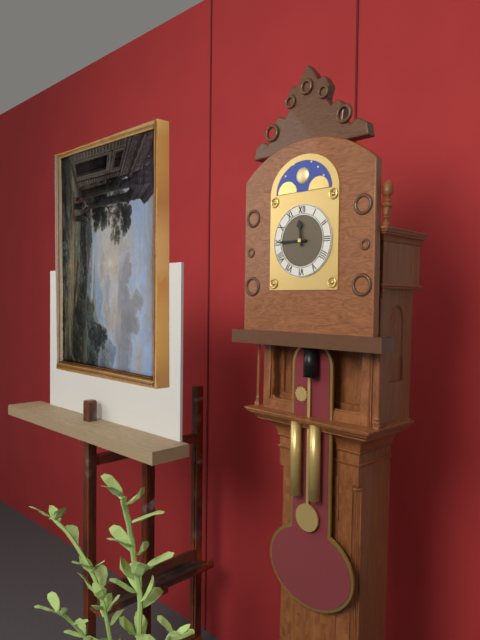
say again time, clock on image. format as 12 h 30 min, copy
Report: 11 h 45 min
